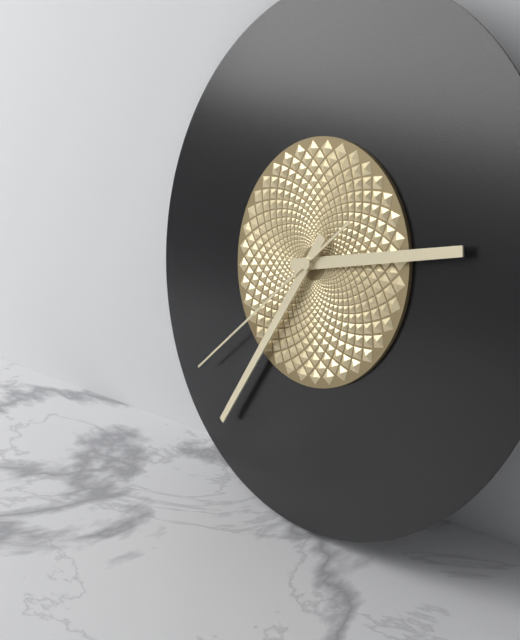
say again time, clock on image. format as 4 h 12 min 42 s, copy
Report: 2 h 35 min 38 s
